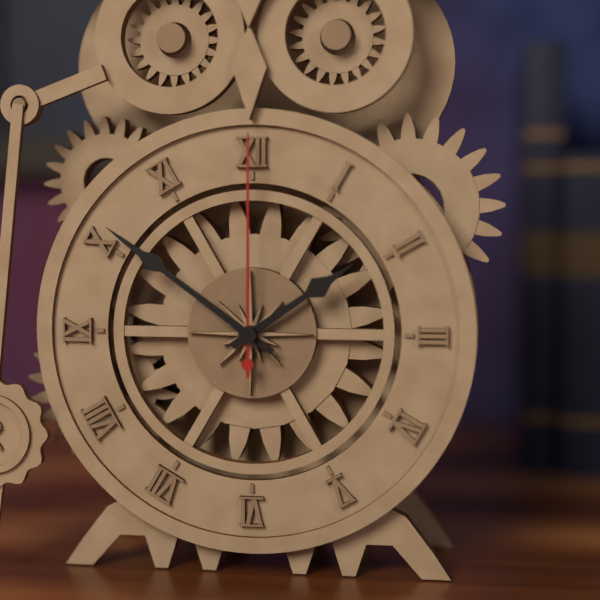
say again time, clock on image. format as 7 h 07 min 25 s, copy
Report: 1 h 51 min 00 s
